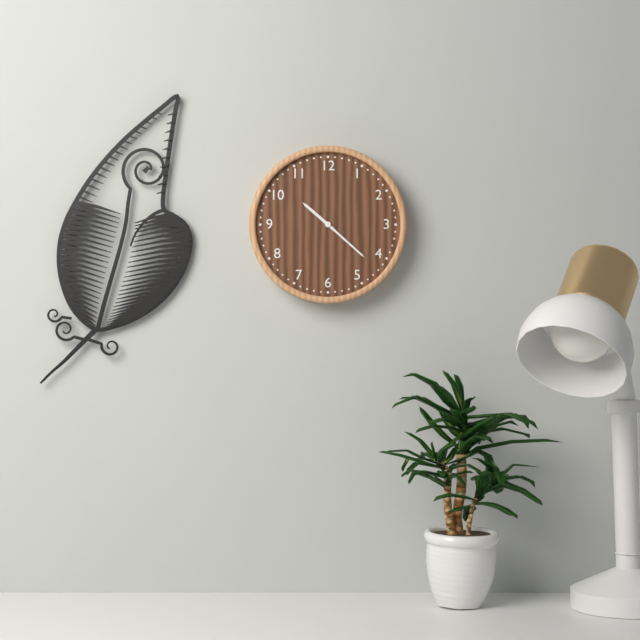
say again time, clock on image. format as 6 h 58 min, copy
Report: 10 h 22 min
